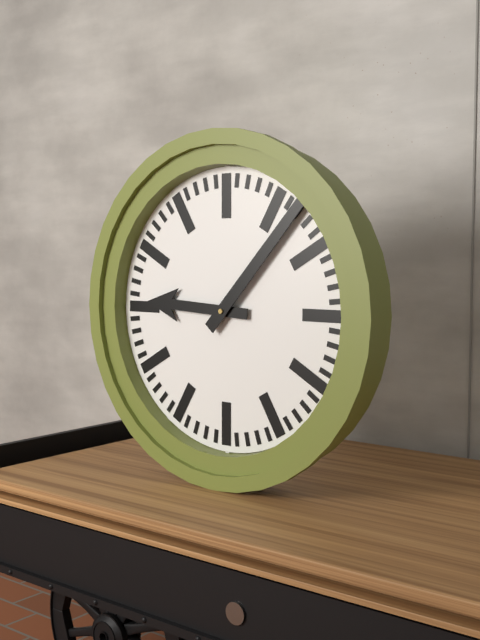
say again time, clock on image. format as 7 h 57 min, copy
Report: 9 h 07 min
